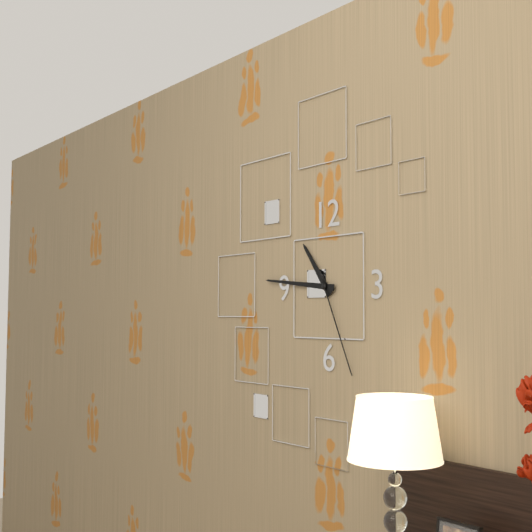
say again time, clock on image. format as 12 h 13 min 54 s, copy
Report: 10 h 46 min 26 s
